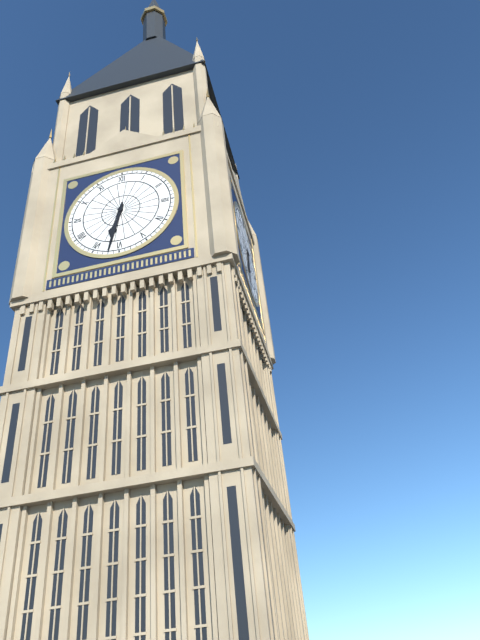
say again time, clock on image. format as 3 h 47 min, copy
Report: 6 h 32 min
